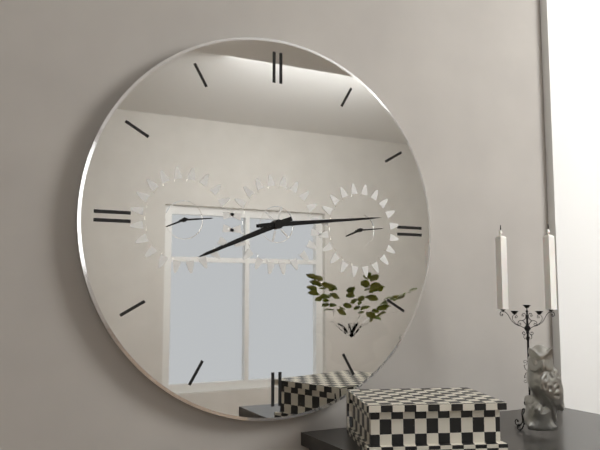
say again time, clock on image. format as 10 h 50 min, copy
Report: 8 h 14 min
